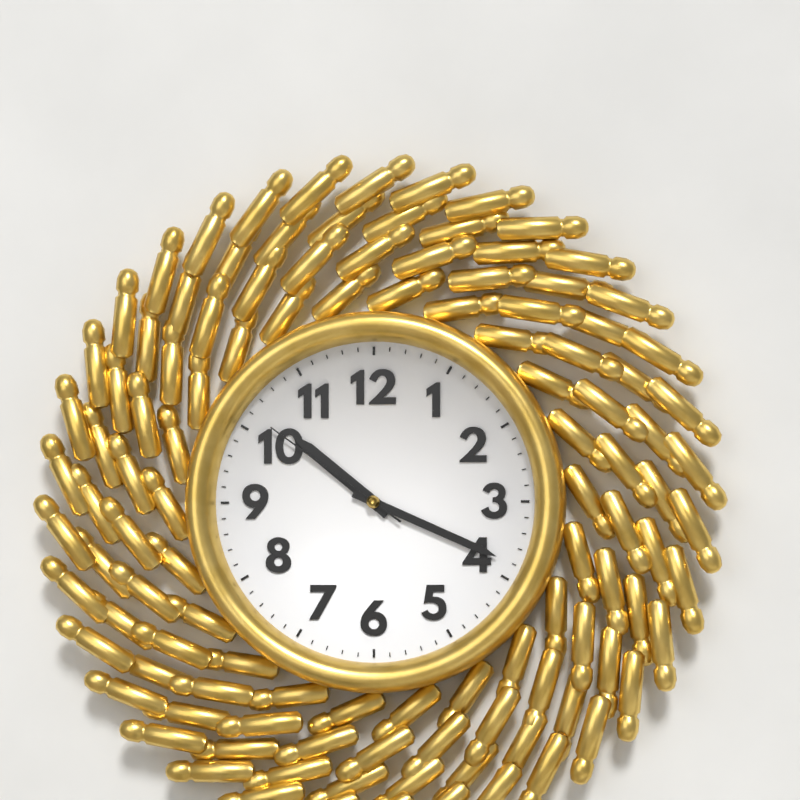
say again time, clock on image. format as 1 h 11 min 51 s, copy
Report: 10 h 19 min 51 s
